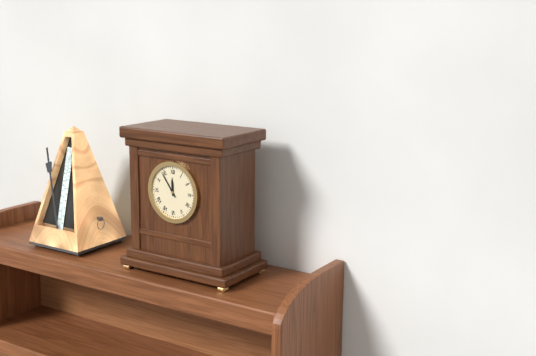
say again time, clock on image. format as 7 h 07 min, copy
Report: 11 h 54 min
